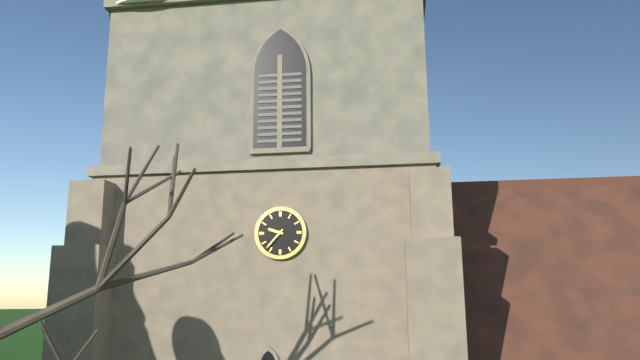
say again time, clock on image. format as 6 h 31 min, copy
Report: 9 h 37 min
